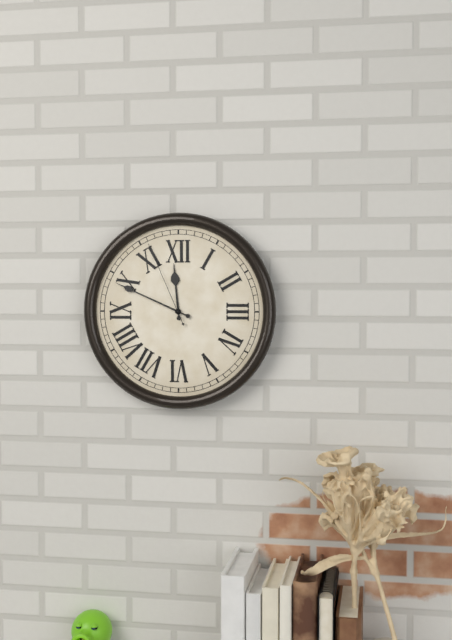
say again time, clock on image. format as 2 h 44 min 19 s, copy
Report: 11 h 49 min 56 s
